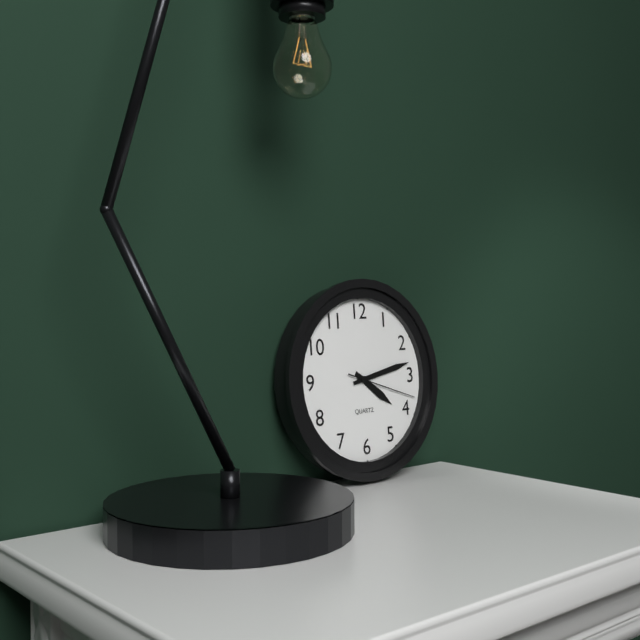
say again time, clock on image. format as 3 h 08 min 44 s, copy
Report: 4 h 13 min 18 s
